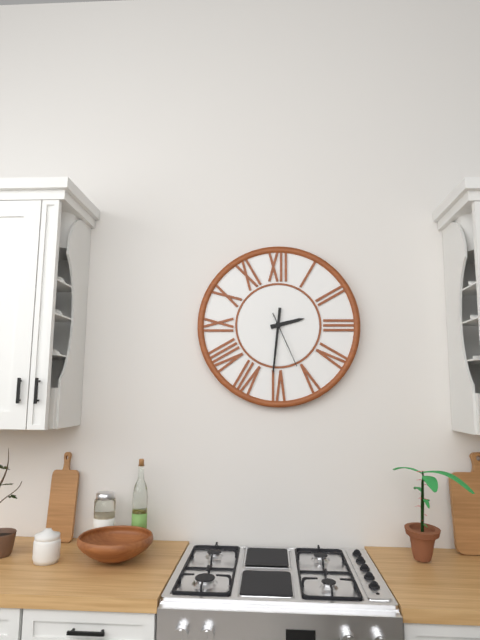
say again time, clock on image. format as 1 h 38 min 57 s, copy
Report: 2 h 31 min 26 s
